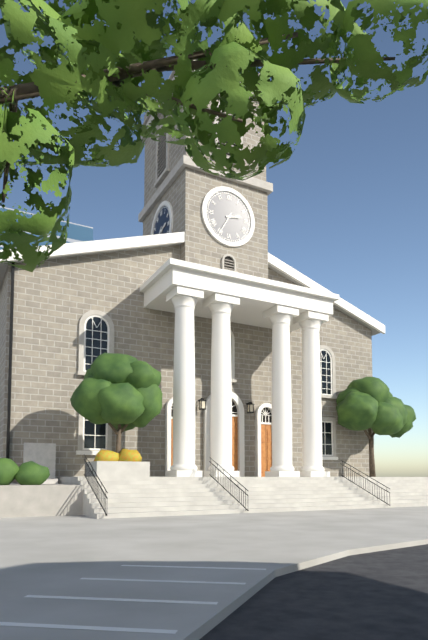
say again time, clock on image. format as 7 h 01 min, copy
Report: 2 h 35 min
